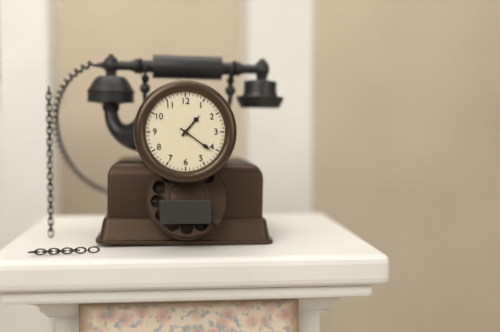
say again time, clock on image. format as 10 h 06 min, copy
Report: 1 h 21 min
